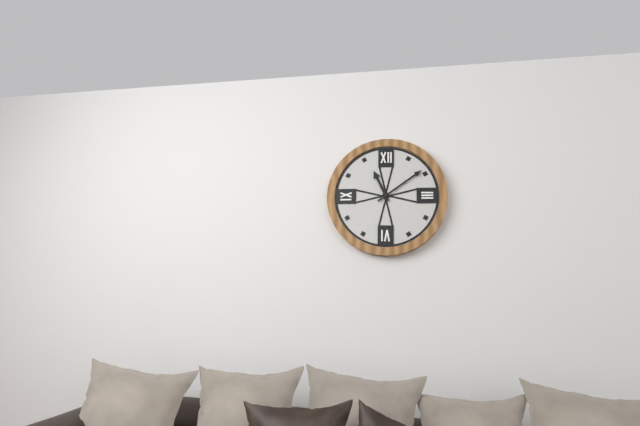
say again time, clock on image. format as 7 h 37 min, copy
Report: 11 h 09 min
